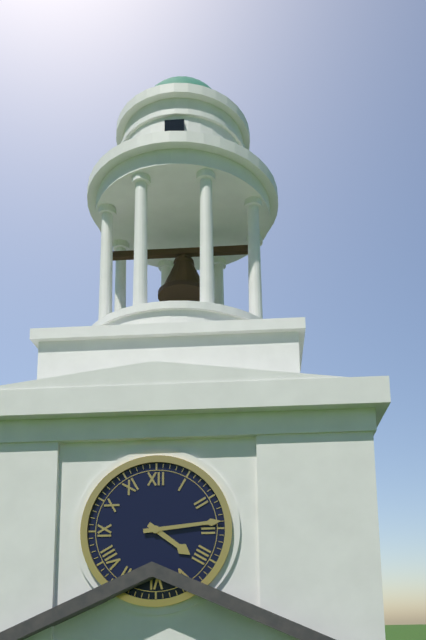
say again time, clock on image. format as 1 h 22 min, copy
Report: 4 h 14 min
